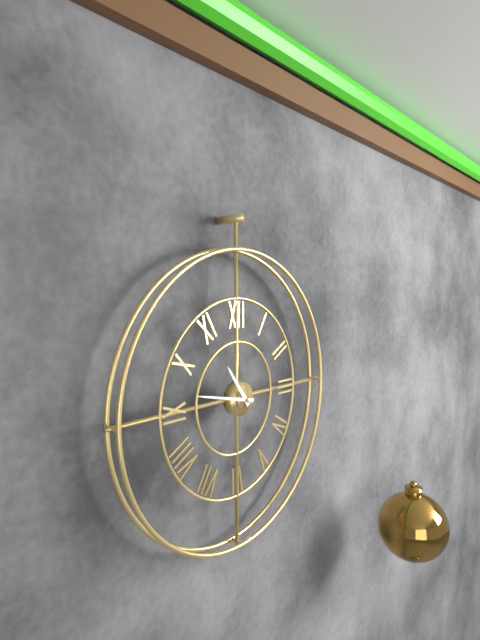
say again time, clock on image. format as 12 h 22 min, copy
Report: 10 h 47 min
